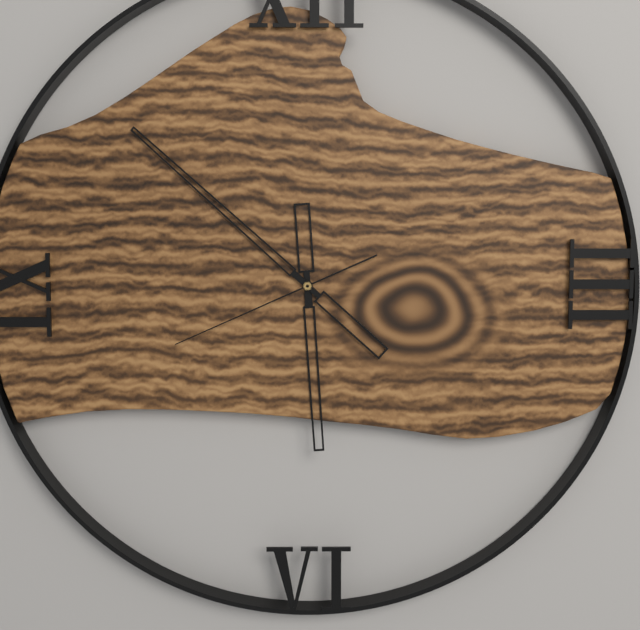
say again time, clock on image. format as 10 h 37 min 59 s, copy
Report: 5 h 52 min 41 s
